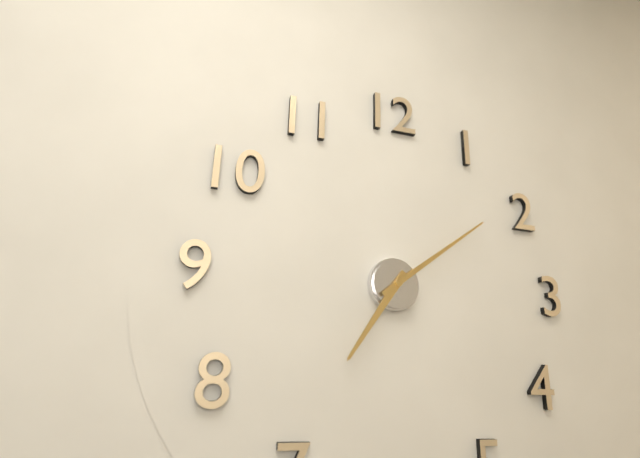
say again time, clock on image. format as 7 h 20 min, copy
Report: 7 h 09 min
